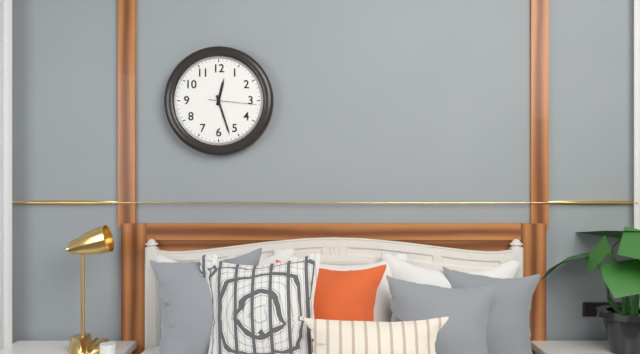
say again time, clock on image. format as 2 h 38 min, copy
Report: 12 h 27 min
